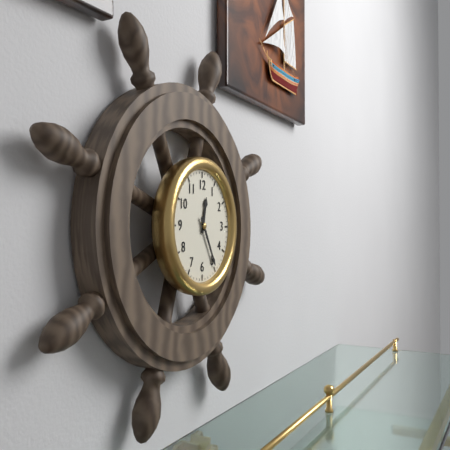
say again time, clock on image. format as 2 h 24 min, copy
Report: 12 h 25 min
